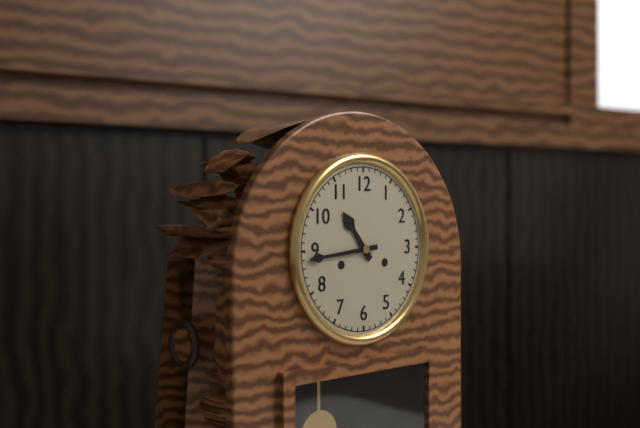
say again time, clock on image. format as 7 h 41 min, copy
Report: 10 h 44 min
